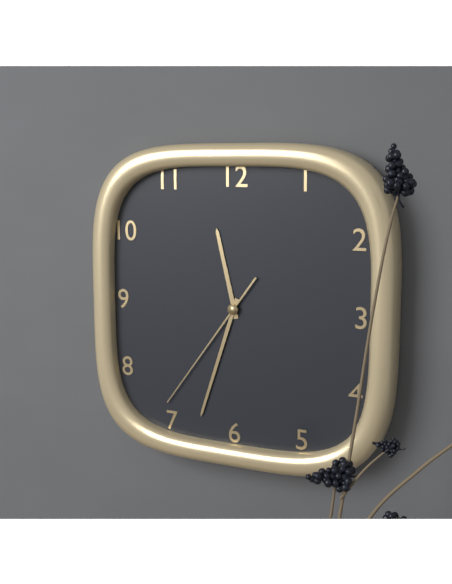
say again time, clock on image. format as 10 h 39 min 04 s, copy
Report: 11 h 33 min 36 s
